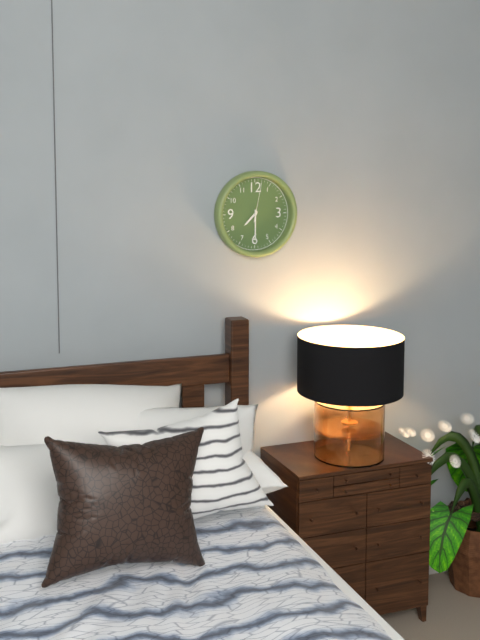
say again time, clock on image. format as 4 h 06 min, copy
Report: 7 h 30 min
